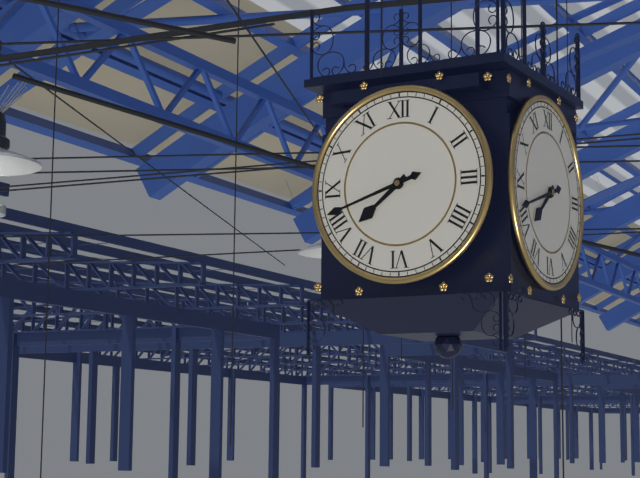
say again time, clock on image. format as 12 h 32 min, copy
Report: 7 h 42 min
